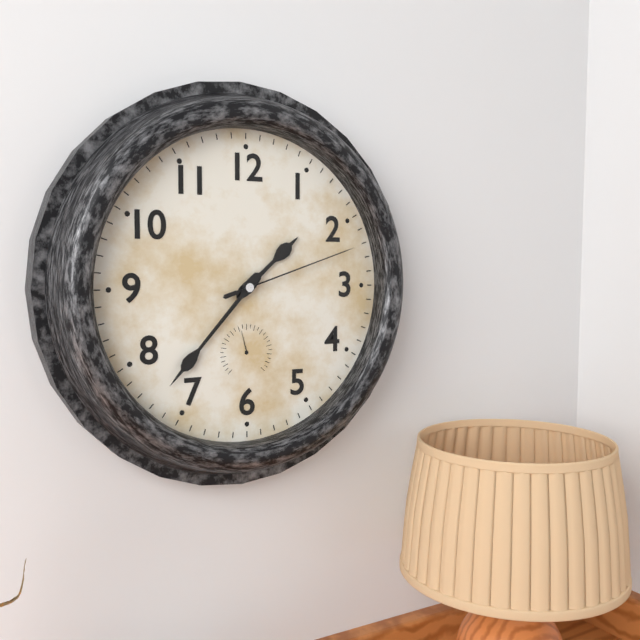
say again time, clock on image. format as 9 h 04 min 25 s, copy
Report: 1 h 37 min 12 s
